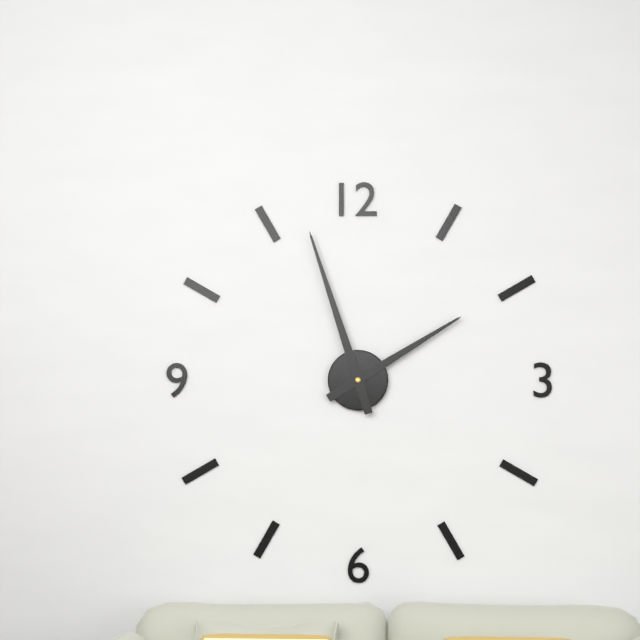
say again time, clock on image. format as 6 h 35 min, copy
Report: 1 h 57 min
